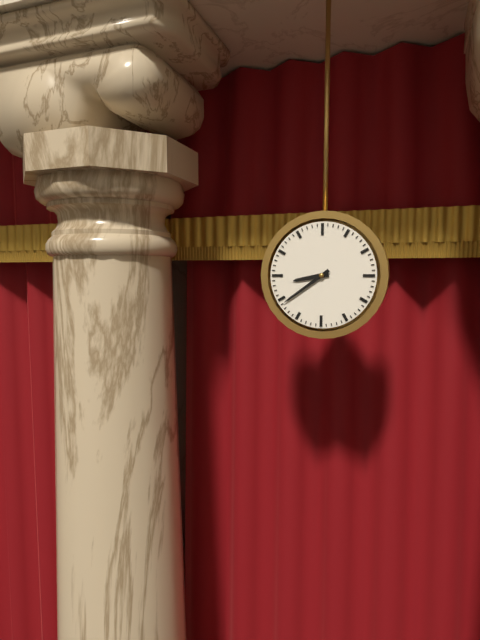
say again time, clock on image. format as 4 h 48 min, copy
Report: 8 h 39 min
